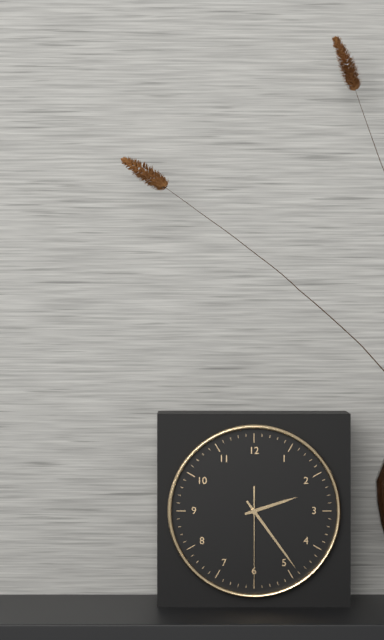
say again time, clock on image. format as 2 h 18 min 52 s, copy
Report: 2 h 24 min 30 s
